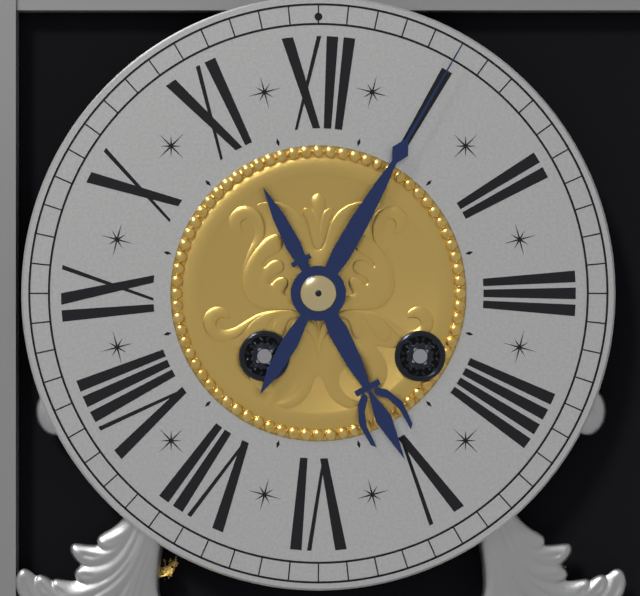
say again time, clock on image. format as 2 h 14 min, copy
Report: 5 h 05 min
